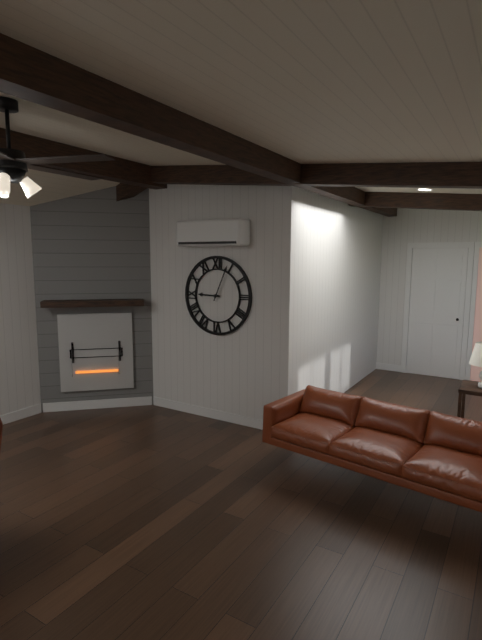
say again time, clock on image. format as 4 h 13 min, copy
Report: 9 h 04 min
